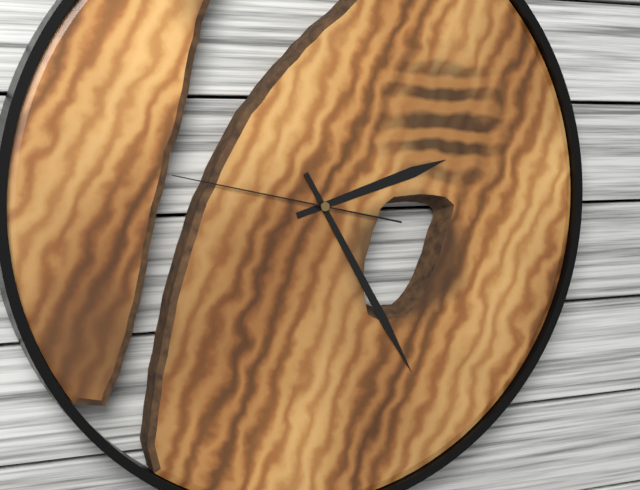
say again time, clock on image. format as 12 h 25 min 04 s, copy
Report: 2 h 25 min 47 s
